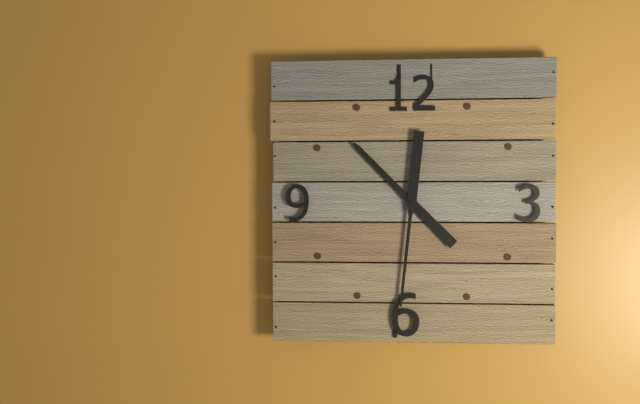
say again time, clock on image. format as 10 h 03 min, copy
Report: 10 h 31 min
